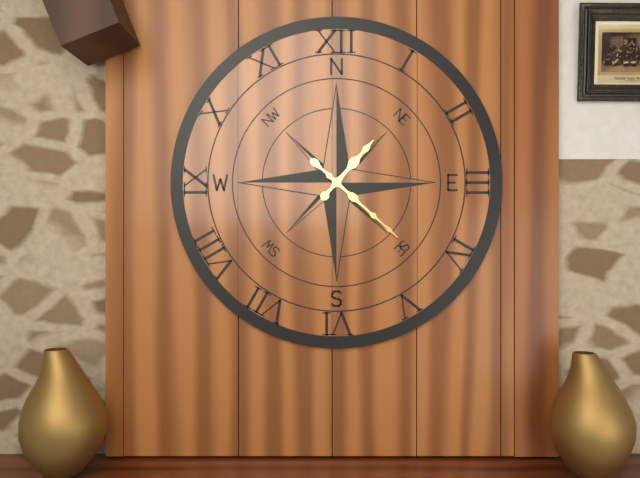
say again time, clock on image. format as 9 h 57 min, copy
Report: 1 h 22 min
